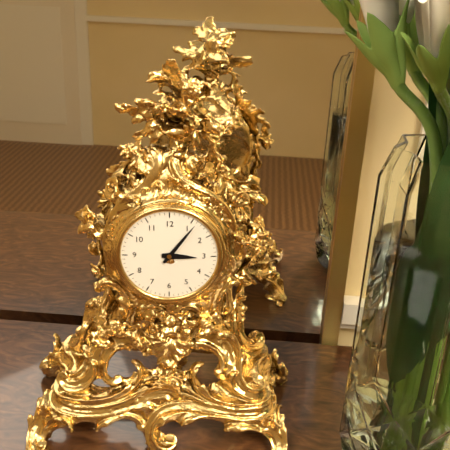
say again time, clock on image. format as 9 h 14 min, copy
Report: 3 h 06 min
